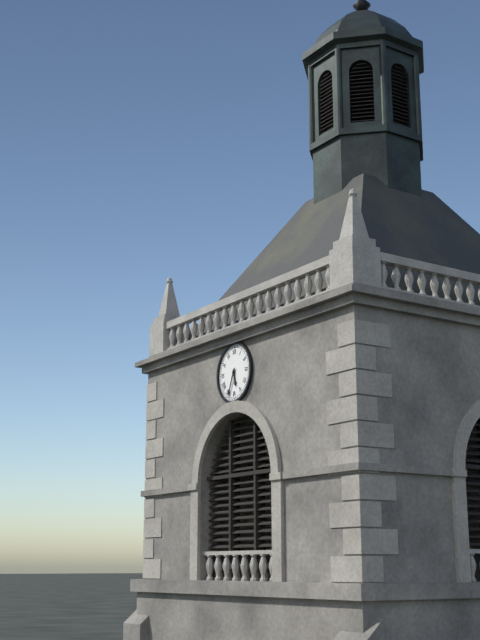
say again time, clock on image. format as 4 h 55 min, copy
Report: 5 h 34 min
